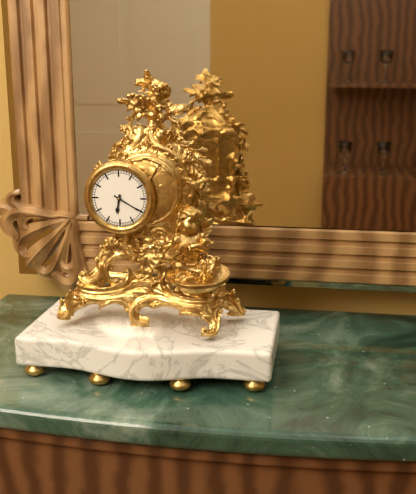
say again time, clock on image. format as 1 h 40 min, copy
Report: 6 h 20 min
